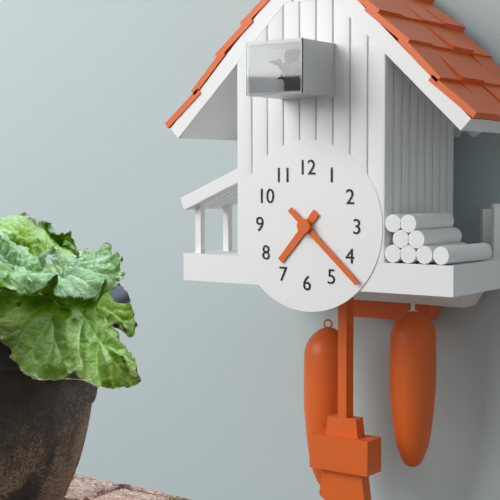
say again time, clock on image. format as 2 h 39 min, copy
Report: 7 h 22 min
